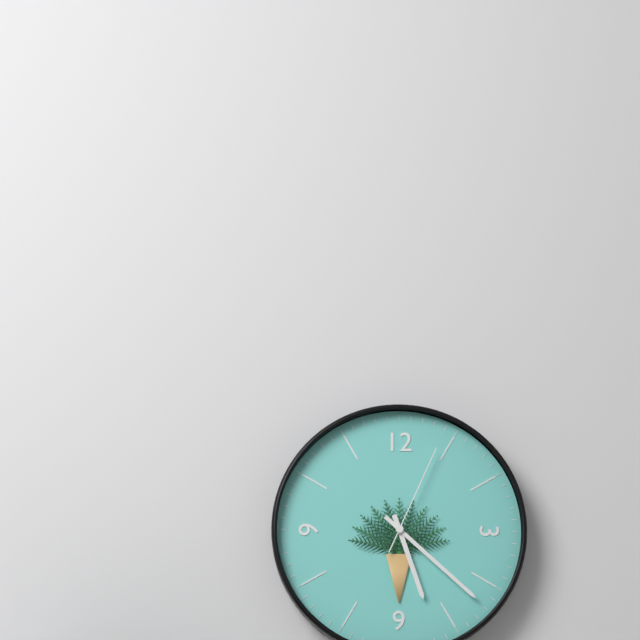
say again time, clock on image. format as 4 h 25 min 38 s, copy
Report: 5 h 22 min 04 s
